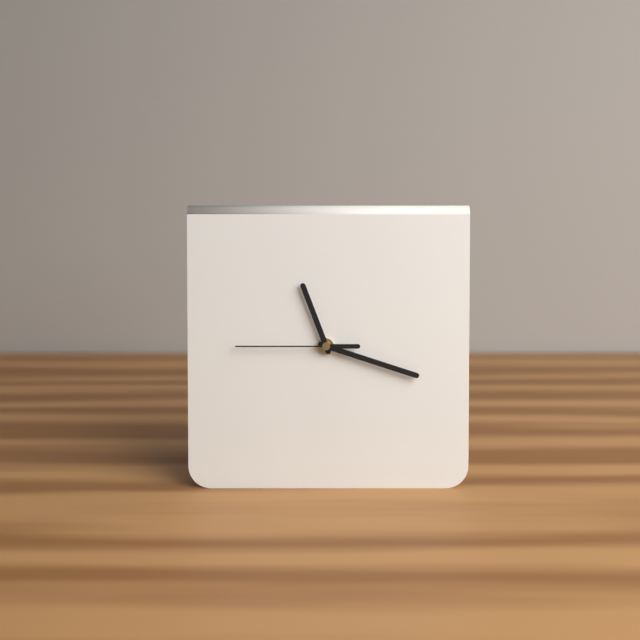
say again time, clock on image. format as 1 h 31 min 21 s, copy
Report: 11 h 18 min 45 s
